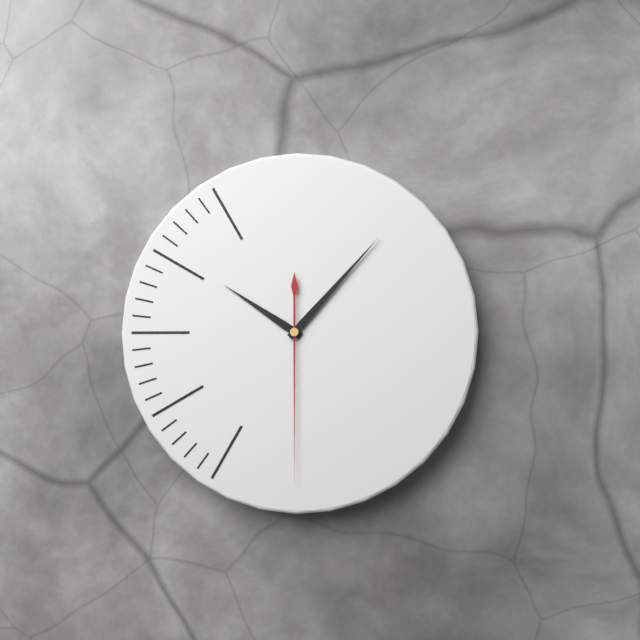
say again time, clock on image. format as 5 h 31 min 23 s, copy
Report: 10 h 07 min 30 s
